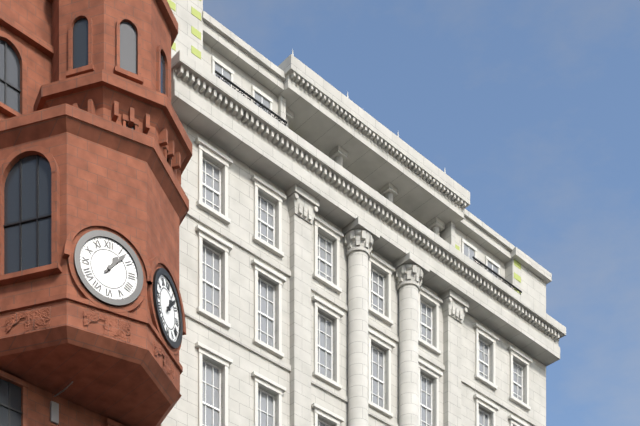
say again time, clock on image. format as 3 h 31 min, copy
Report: 1 h 07 min
